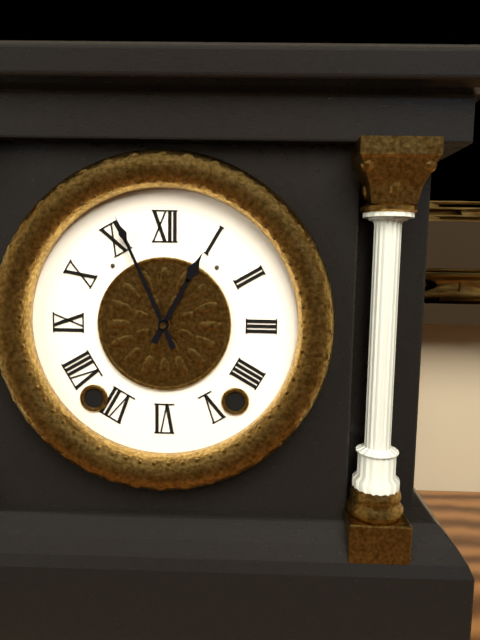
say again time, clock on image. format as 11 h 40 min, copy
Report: 12 h 56 min
